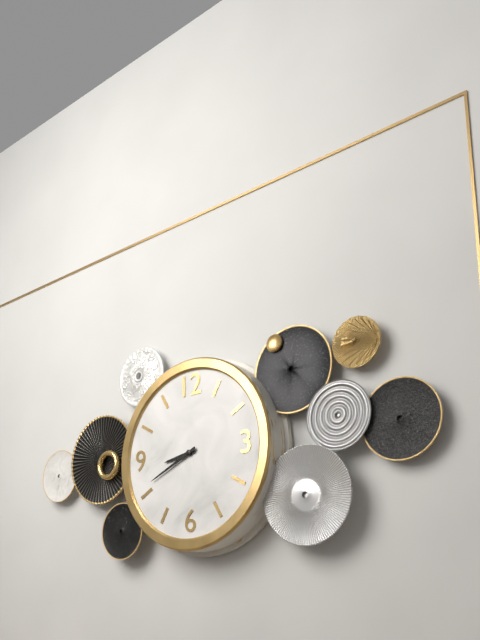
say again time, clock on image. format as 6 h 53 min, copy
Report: 8 h 41 min
